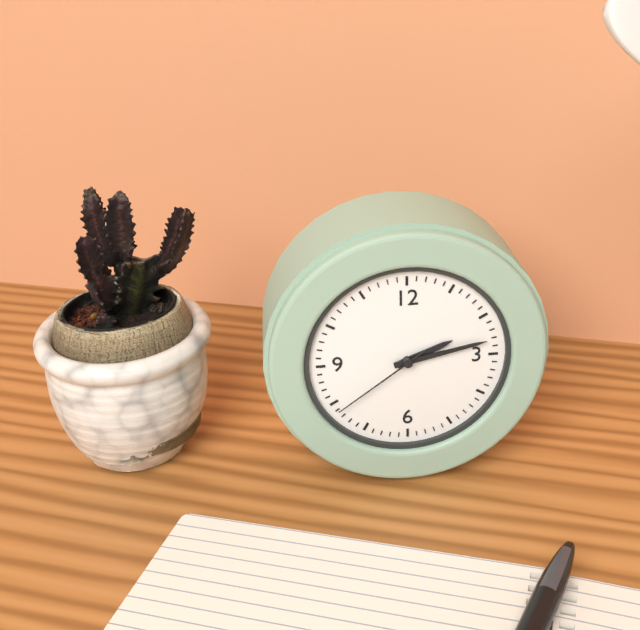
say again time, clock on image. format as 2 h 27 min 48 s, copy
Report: 2 h 13 min 39 s
